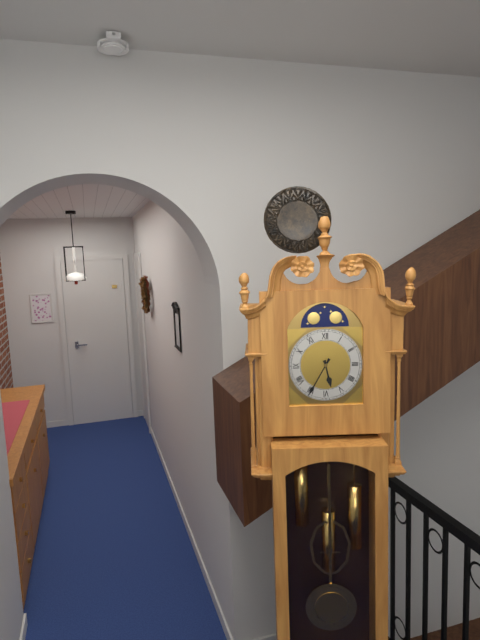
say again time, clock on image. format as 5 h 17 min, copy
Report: 5 h 35 min
